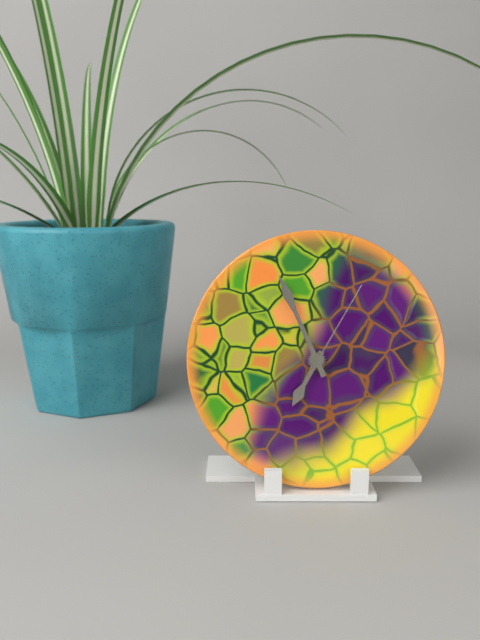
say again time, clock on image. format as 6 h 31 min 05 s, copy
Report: 6 h 56 min 05 s
